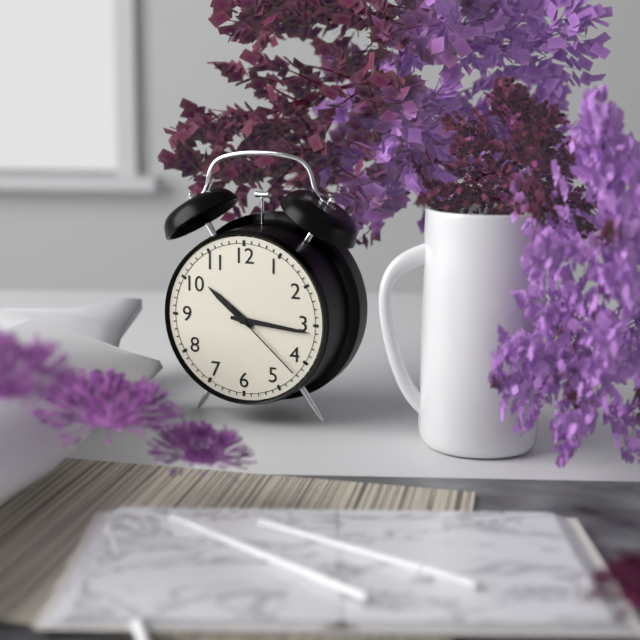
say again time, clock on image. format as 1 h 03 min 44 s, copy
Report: 10 h 16 min 22 s
